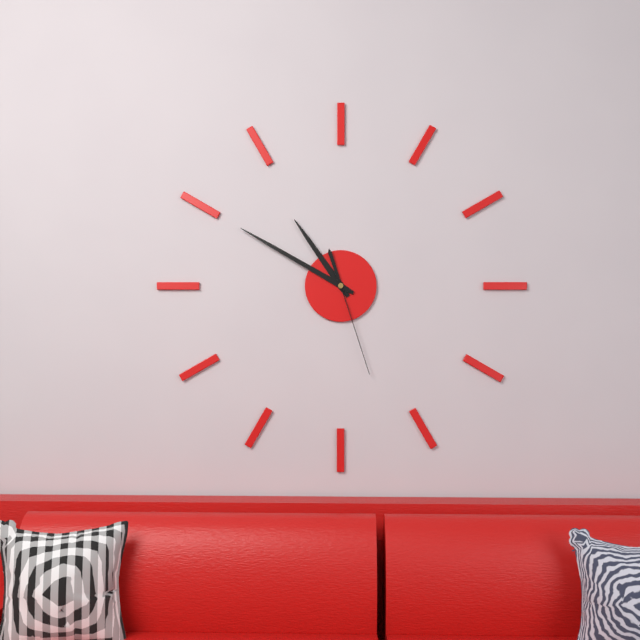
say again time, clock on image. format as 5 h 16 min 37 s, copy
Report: 10 h 50 min 27 s
